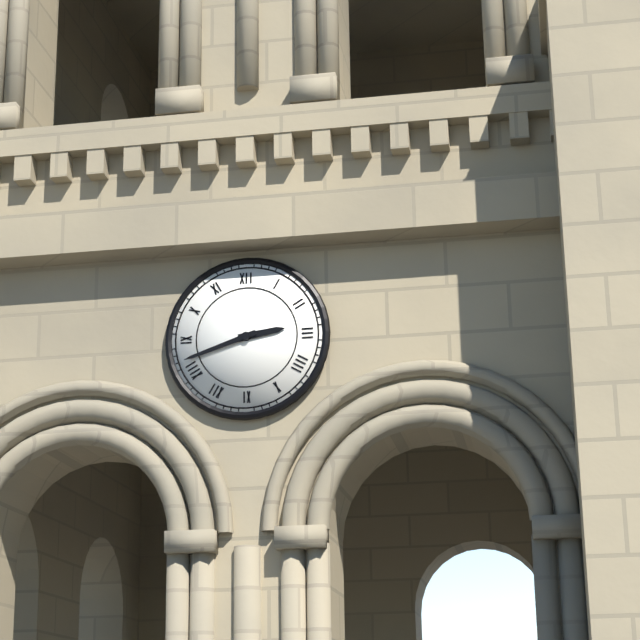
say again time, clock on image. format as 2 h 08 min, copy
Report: 2 h 42 min
